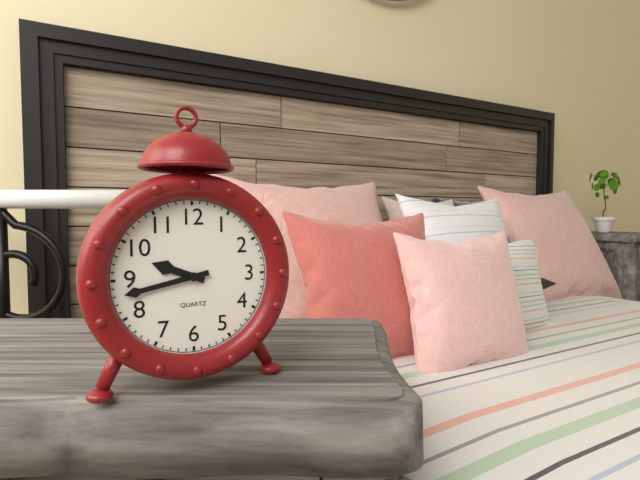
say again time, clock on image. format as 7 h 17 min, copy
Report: 9 h 43 min
